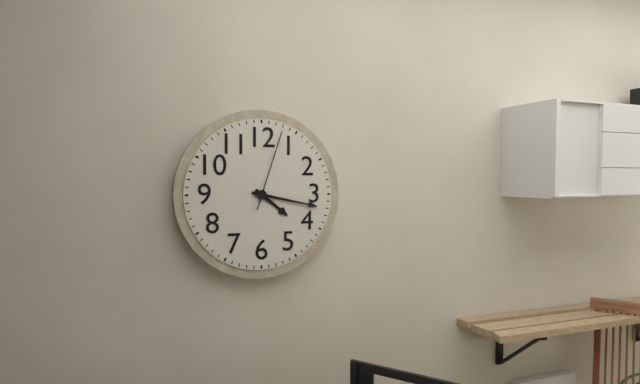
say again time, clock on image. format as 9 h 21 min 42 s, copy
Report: 4 h 17 min 03 s
